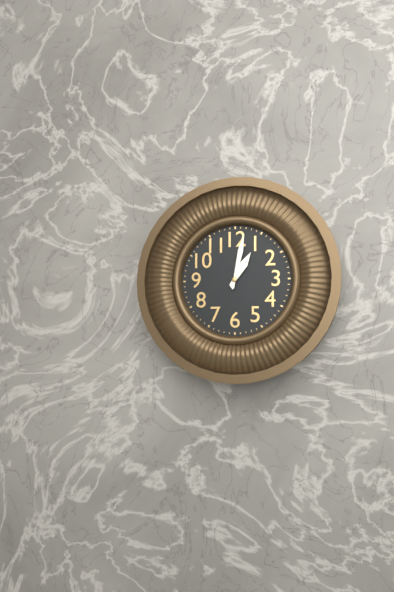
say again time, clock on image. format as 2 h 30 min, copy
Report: 1 h 02 min
